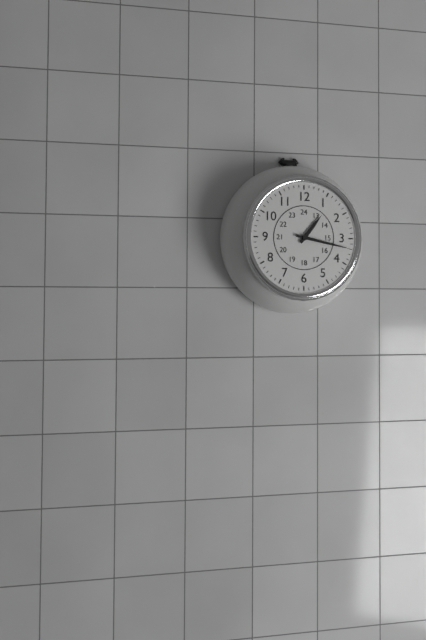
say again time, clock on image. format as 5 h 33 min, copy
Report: 1 h 17 min
